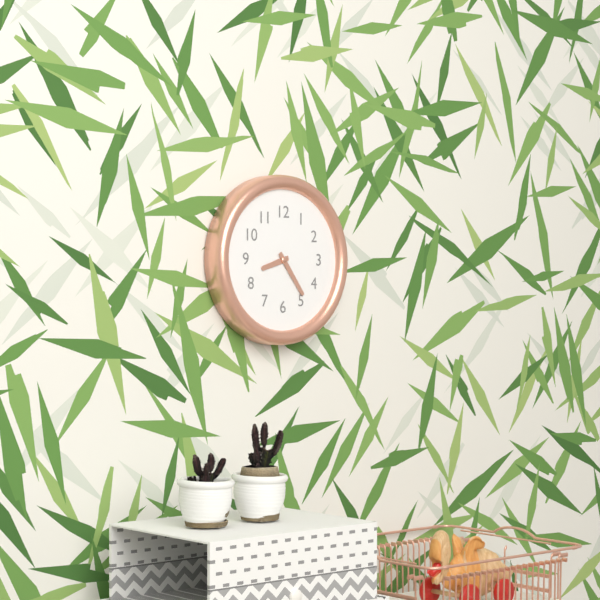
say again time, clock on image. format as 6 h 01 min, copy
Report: 8 h 24 min
